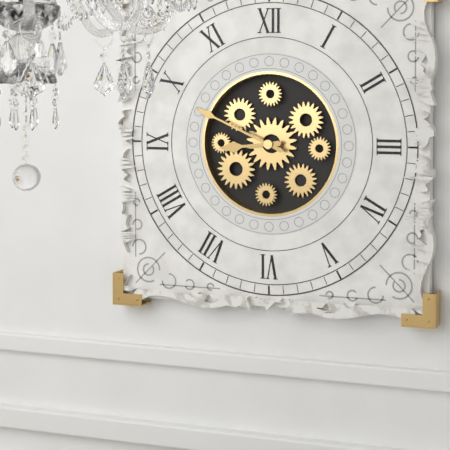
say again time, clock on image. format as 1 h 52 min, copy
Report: 8 h 49 min
